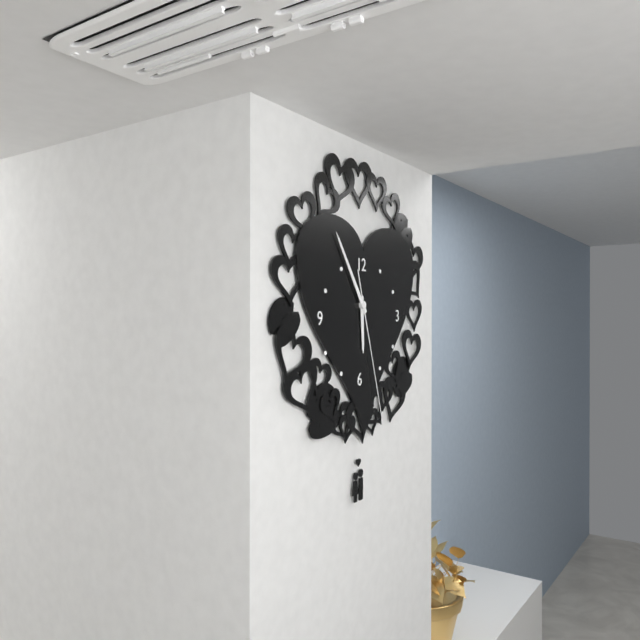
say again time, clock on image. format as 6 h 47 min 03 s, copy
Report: 5 h 54 min 27 s
